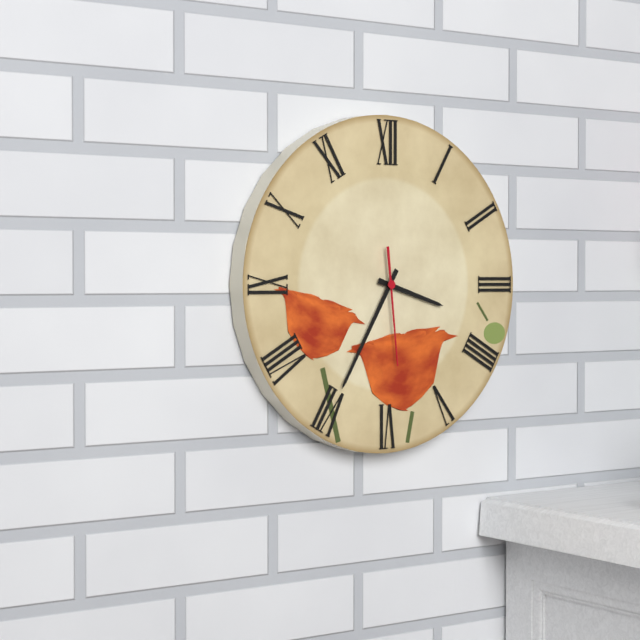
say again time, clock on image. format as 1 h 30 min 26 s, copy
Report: 3 h 35 min 29 s
